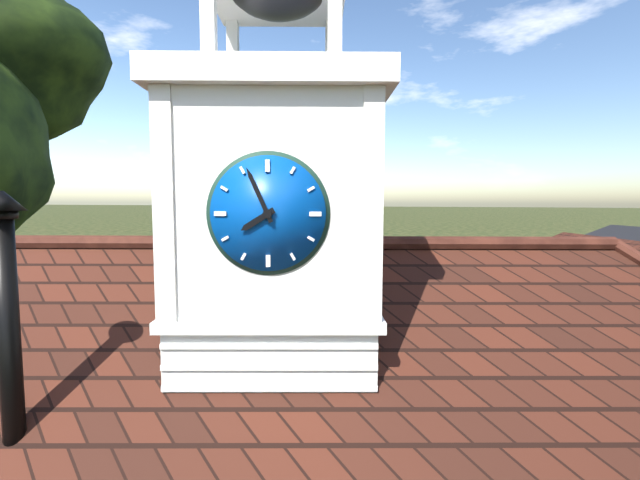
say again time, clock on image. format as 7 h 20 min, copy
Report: 7 h 56 min
